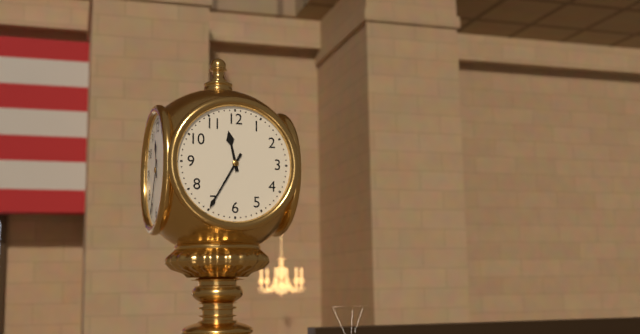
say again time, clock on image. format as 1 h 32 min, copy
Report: 11 h 35 min
